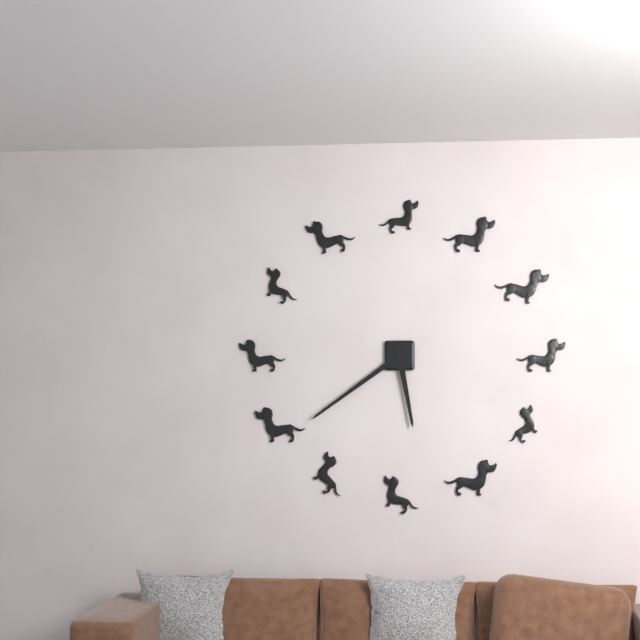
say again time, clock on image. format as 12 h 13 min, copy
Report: 5 h 39 min
